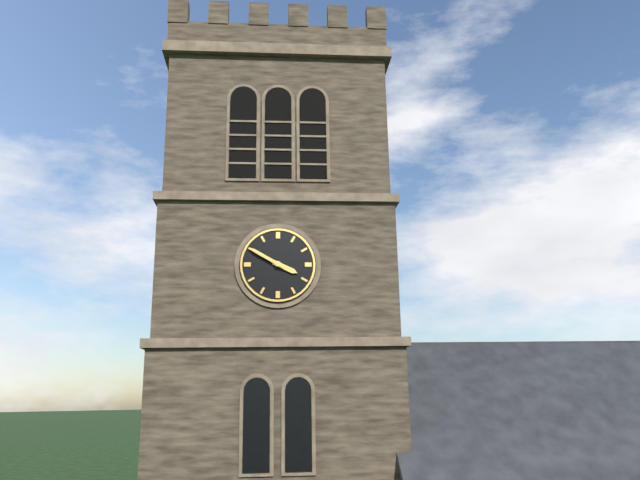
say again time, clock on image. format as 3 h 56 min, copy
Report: 3 h 50 min
